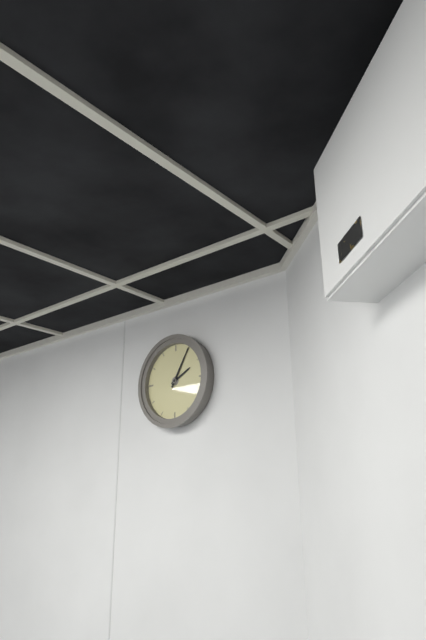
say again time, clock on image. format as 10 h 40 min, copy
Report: 2 h 05 min
